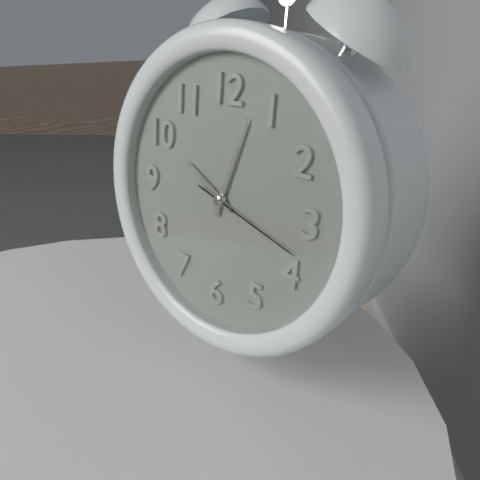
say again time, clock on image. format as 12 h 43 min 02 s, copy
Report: 10 h 03 min 18 s
